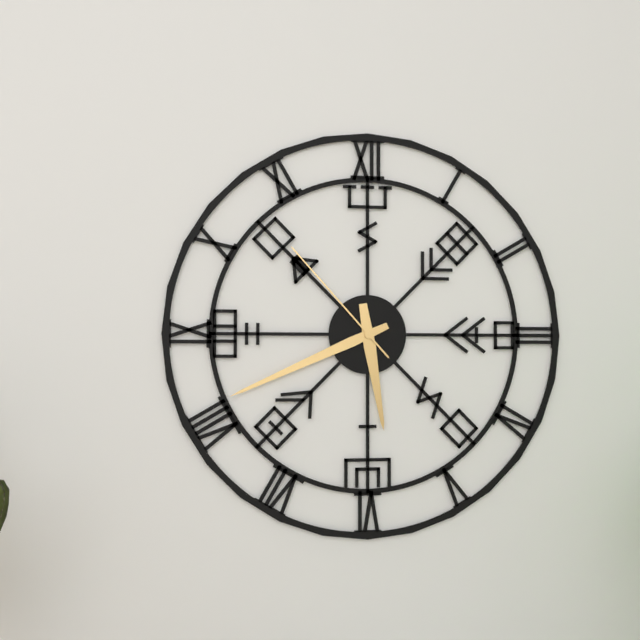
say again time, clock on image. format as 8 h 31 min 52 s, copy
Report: 5 h 41 min 53 s
